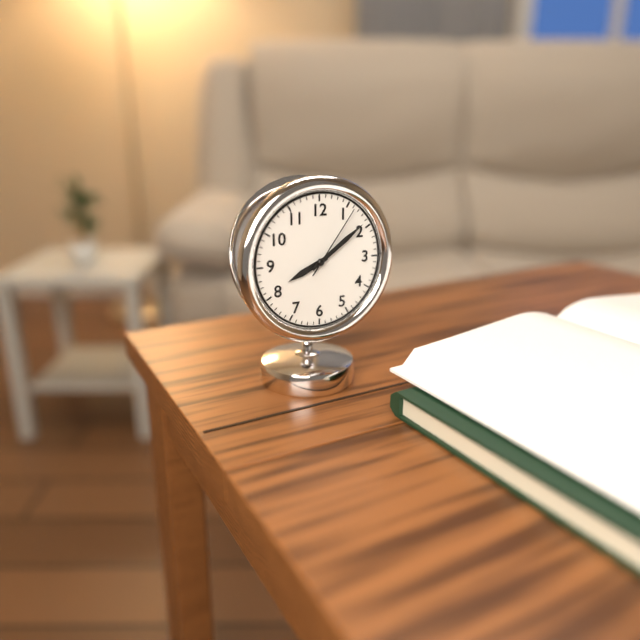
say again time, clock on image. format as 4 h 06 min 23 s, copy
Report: 8 h 09 min 06 s
